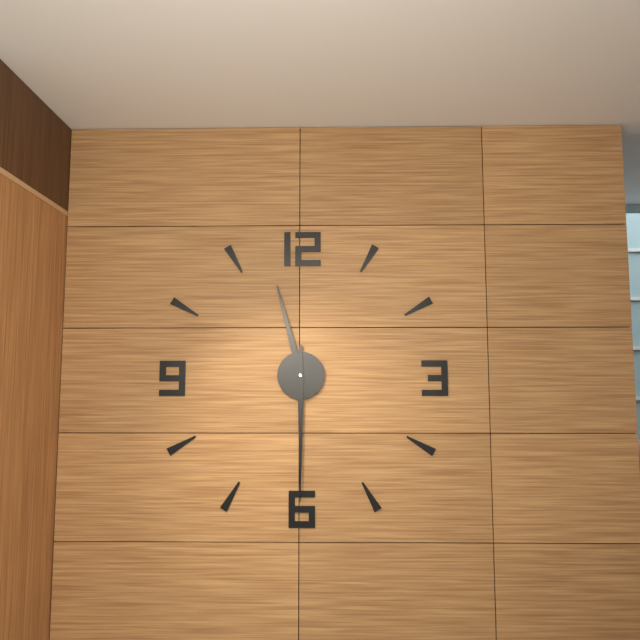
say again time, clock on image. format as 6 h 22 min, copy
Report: 11 h 30 min
